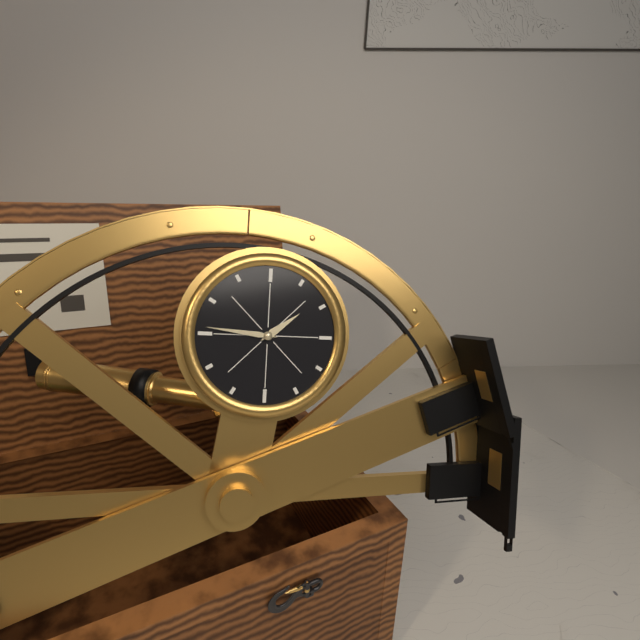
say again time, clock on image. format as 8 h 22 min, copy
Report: 1 h 46 min
